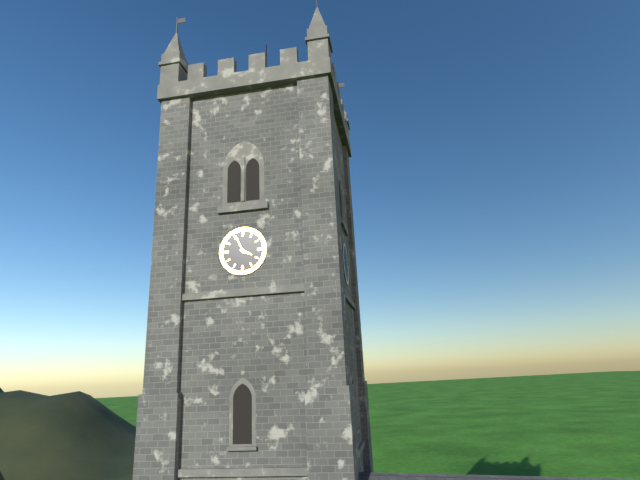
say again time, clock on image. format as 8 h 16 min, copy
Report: 3 h 56 min
